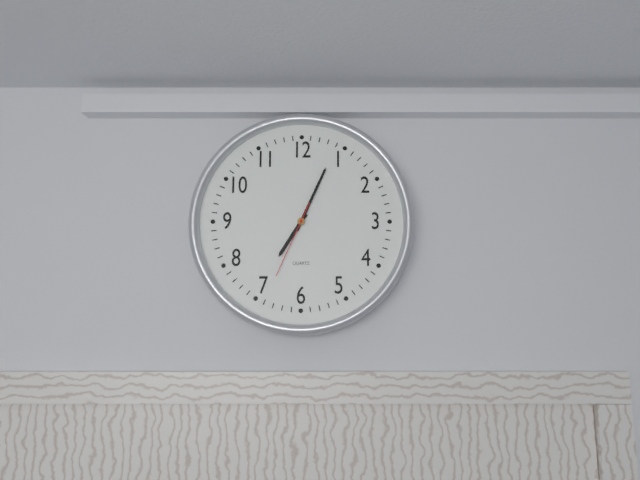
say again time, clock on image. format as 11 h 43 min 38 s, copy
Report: 7 h 04 min 34 s
